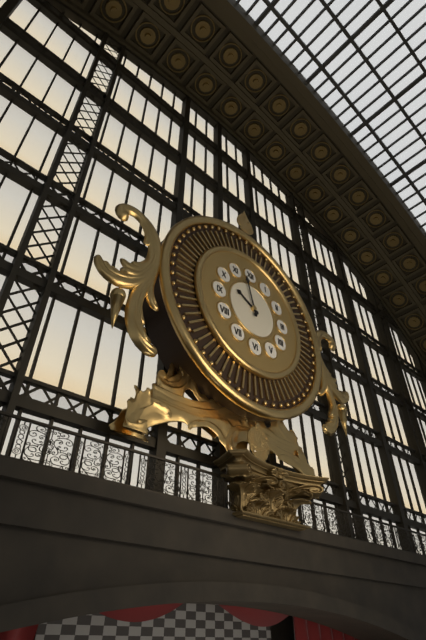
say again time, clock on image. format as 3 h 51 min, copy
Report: 9 h 58 min
